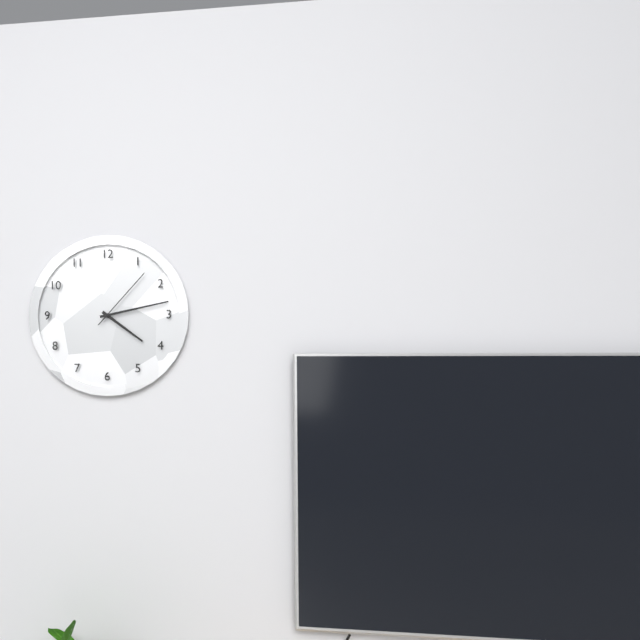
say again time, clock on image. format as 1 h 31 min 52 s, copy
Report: 4 h 13 min 07 s
